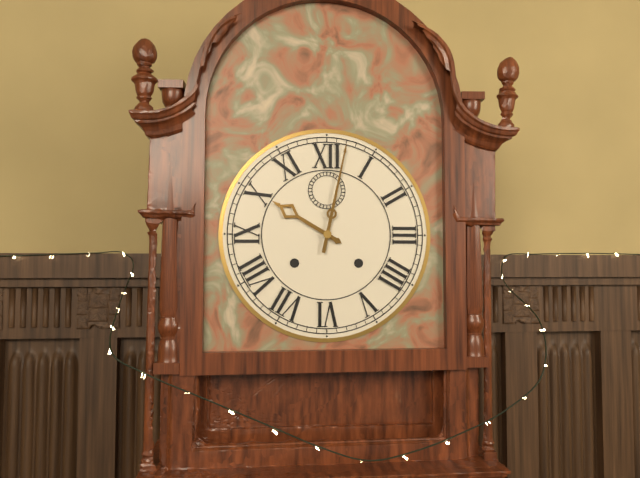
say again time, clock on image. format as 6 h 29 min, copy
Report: 10 h 02 min
